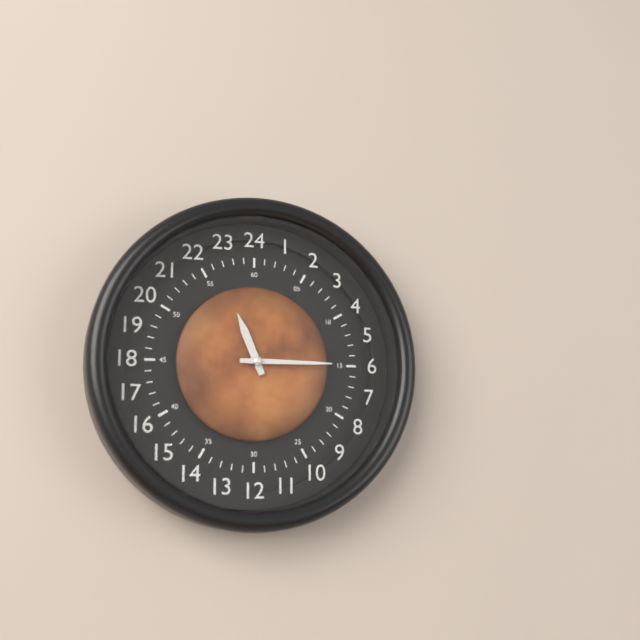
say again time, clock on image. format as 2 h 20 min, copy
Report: 11 h 15 min
